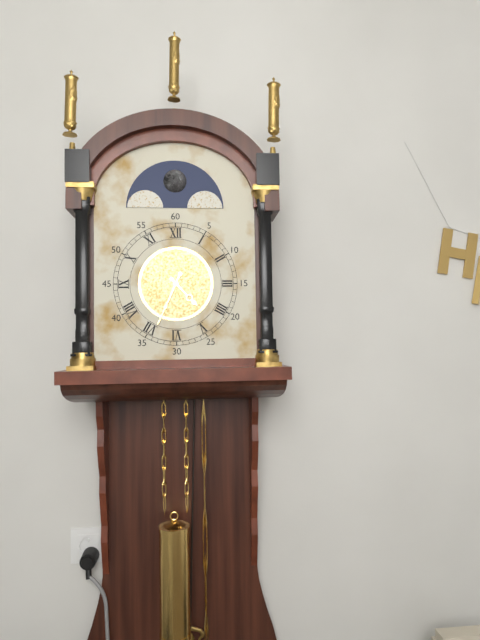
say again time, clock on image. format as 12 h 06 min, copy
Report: 4 h 34 min
